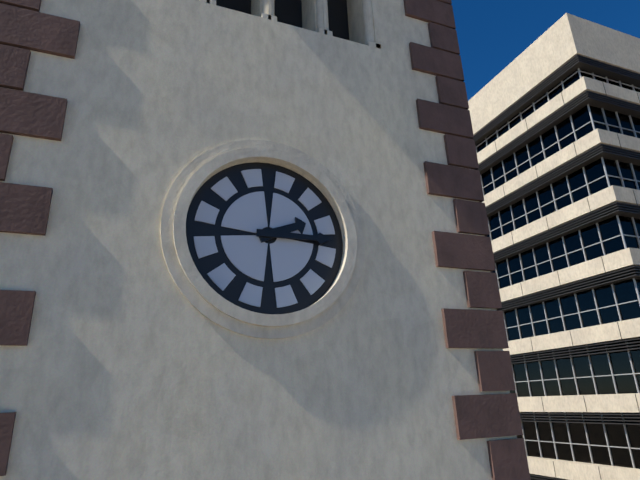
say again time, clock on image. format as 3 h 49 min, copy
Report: 2 h 15 min
